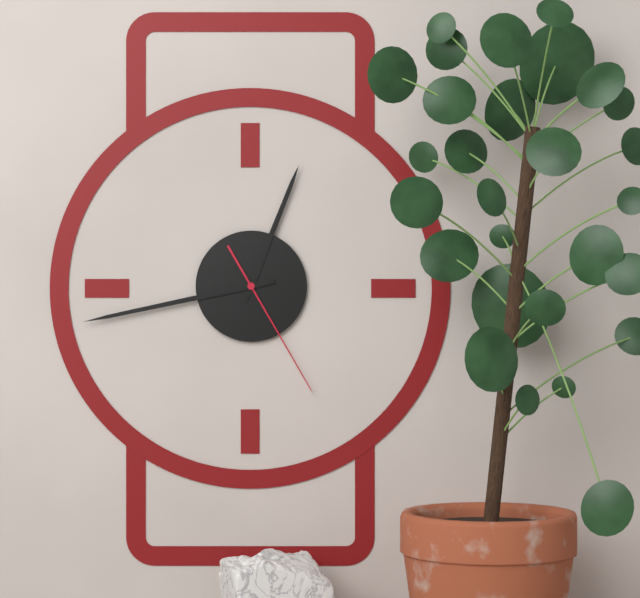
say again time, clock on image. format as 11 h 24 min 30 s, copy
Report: 12 h 43 min 25 s
